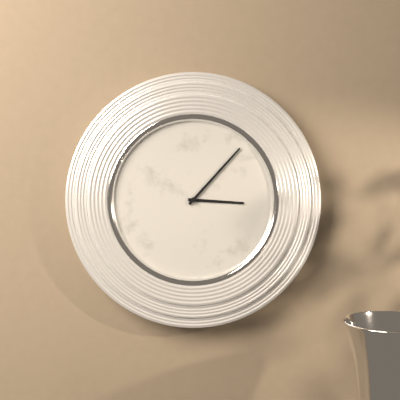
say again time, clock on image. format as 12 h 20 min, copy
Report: 3 h 07 min
